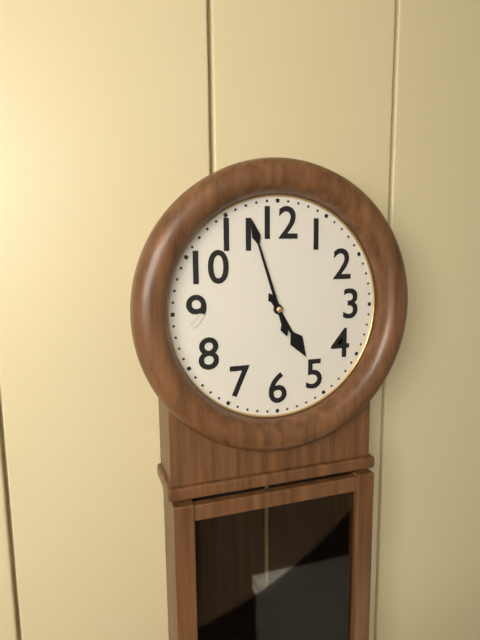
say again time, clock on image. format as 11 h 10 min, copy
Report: 4 h 57 min
